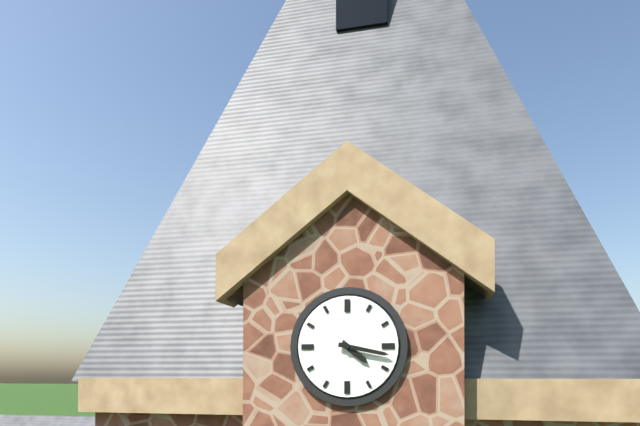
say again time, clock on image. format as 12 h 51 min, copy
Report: 4 h 17 min
